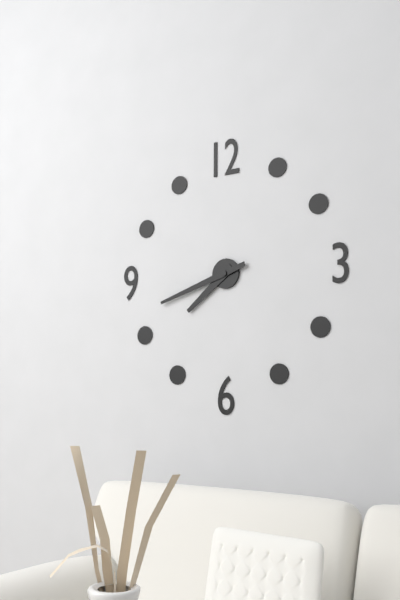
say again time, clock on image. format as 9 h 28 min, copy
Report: 7 h 42 min
